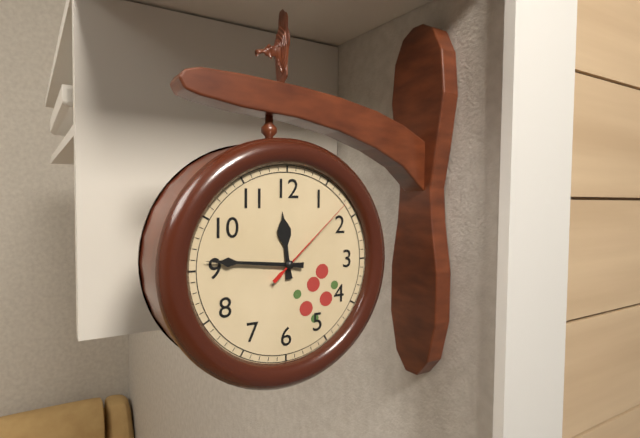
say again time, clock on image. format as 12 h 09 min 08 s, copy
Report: 11 h 46 min 08 s
